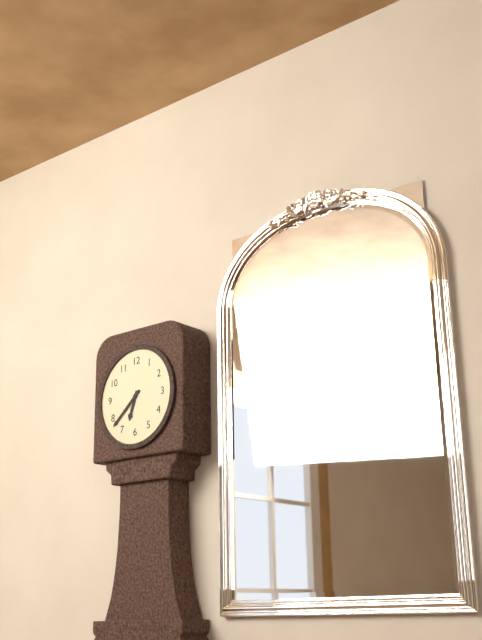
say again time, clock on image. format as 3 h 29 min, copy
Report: 6 h 38 min
